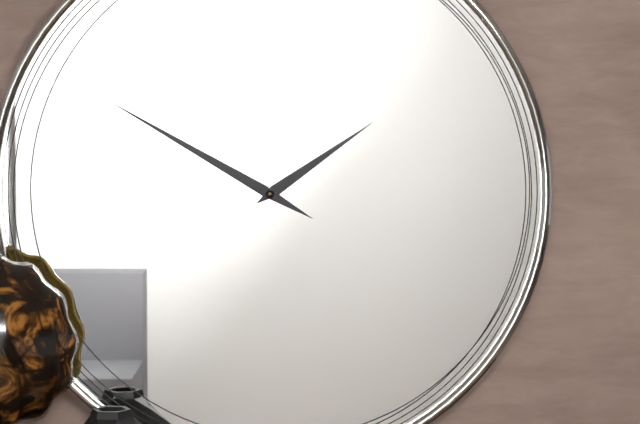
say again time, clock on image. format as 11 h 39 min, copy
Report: 1 h 50 min
